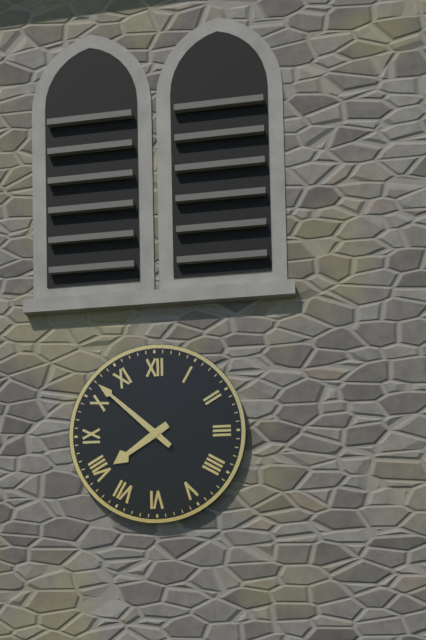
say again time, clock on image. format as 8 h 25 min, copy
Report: 7 h 52 min
